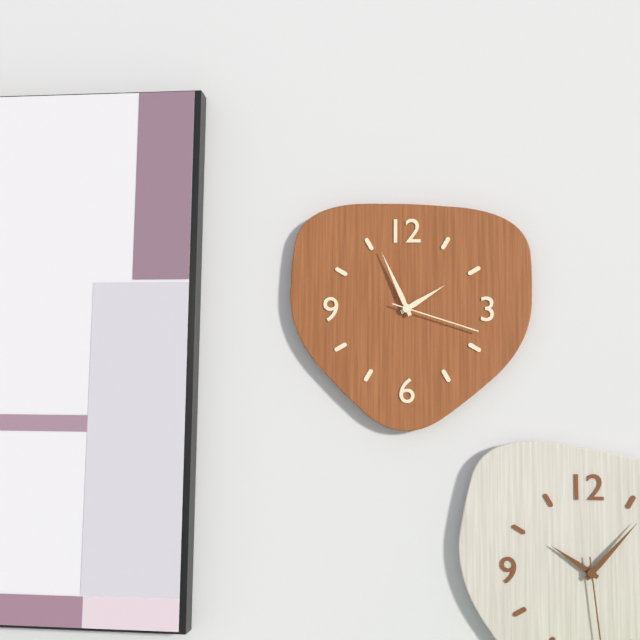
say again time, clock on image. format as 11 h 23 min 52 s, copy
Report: 1 h 56 min 18 s
